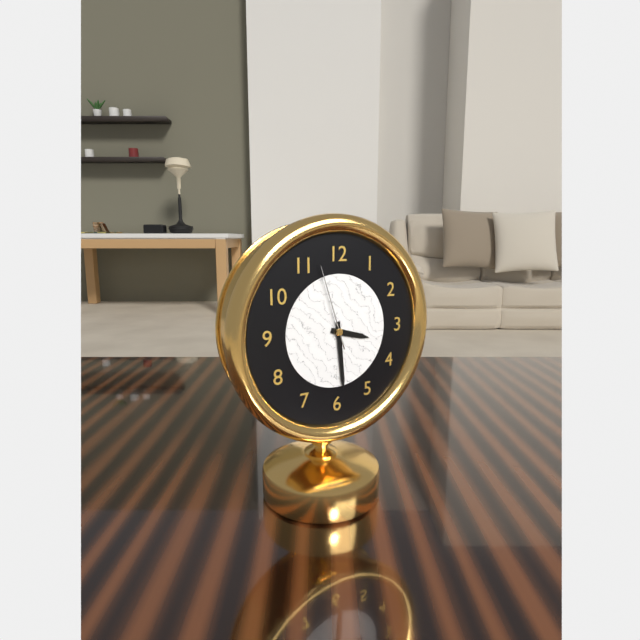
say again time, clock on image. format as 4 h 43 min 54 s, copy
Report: 3 h 29 min 57 s
